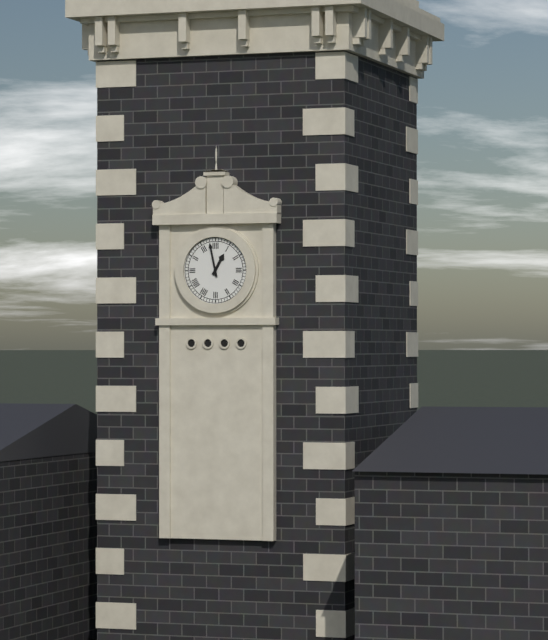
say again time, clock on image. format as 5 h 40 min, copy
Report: 12 h 58 min
